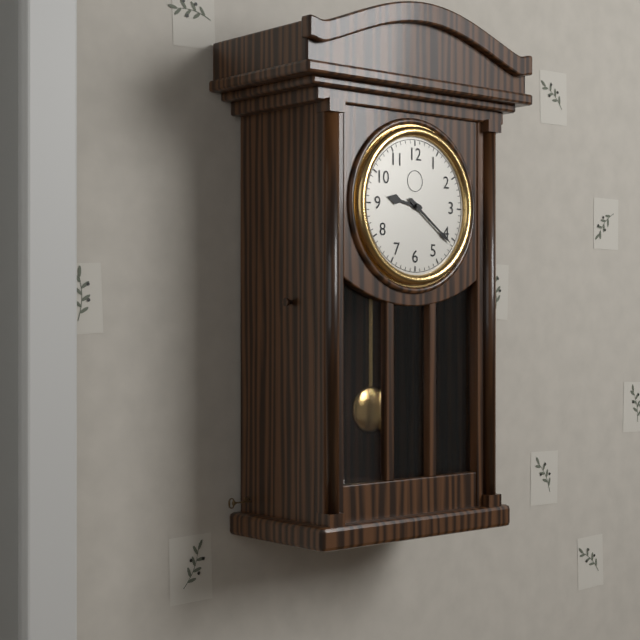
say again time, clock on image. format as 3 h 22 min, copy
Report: 9 h 21 min
